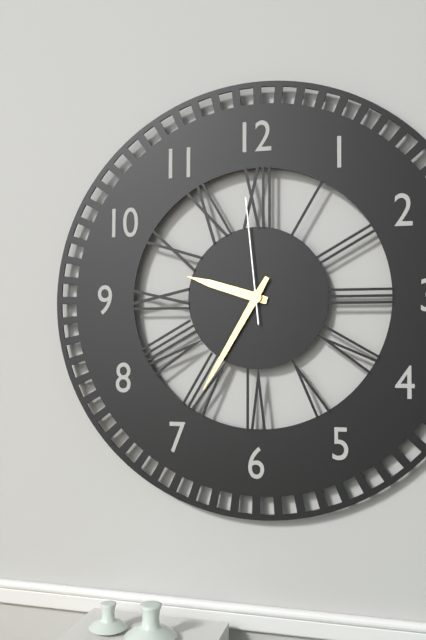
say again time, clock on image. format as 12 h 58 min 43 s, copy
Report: 9 h 35 min 59 s
